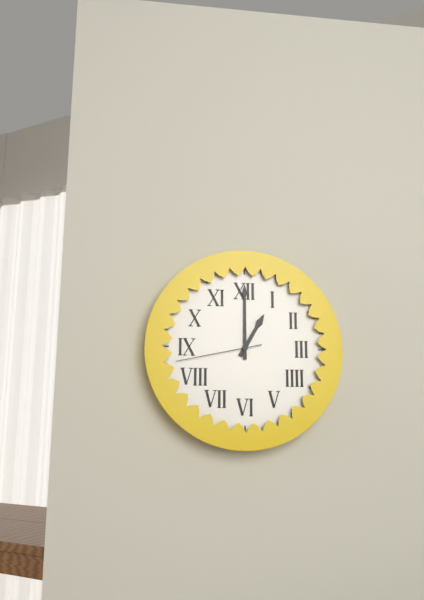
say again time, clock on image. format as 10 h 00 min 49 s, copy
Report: 1 h 00 min 43 s
